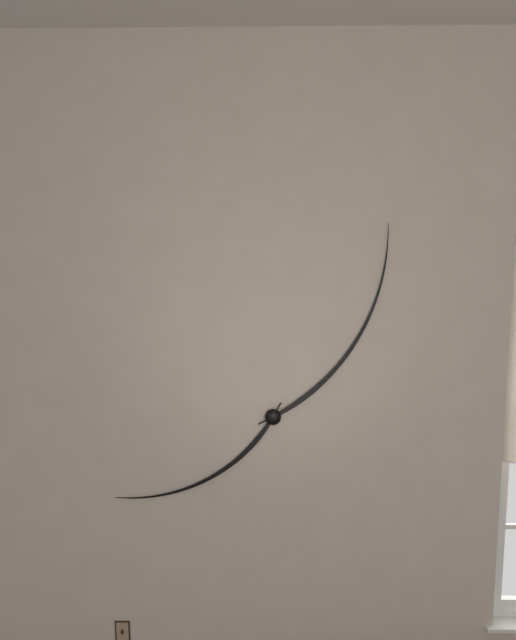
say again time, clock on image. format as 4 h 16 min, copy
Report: 8 h 05 min
